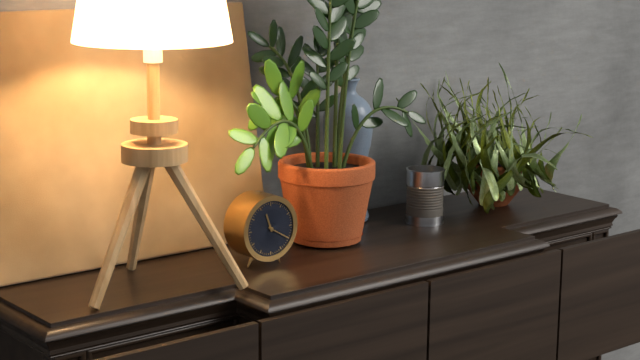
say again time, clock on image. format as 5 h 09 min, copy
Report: 11 h 20 min
